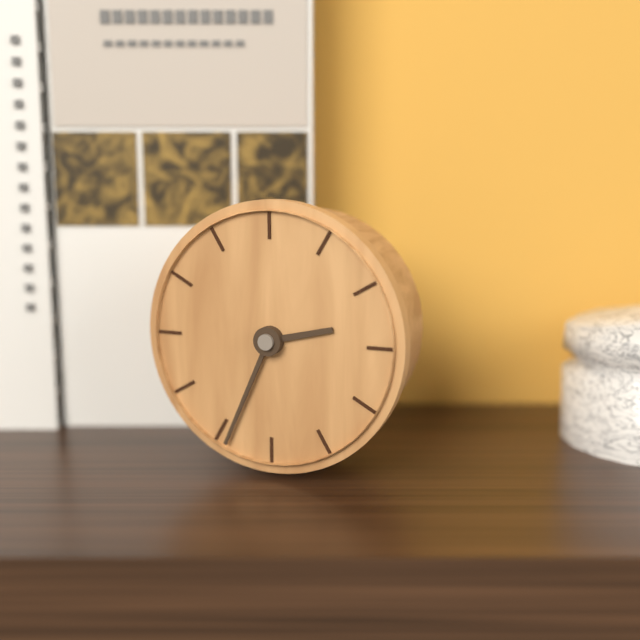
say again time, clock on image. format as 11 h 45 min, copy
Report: 2 h 34 min
